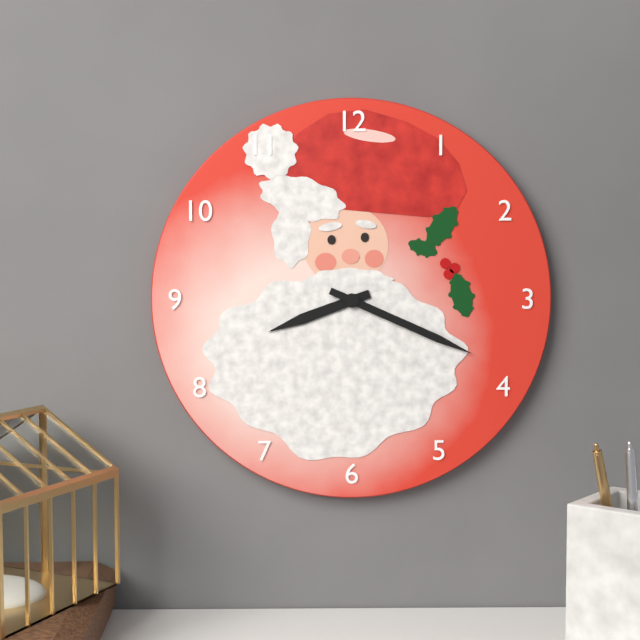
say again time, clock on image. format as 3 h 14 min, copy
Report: 8 h 19 min
